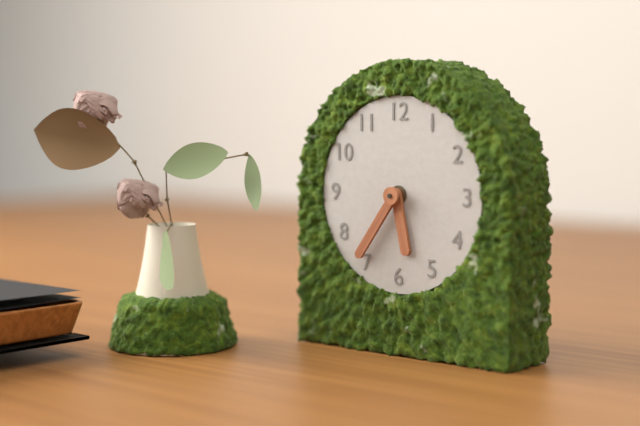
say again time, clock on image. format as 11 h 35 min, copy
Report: 5 h 36 min
